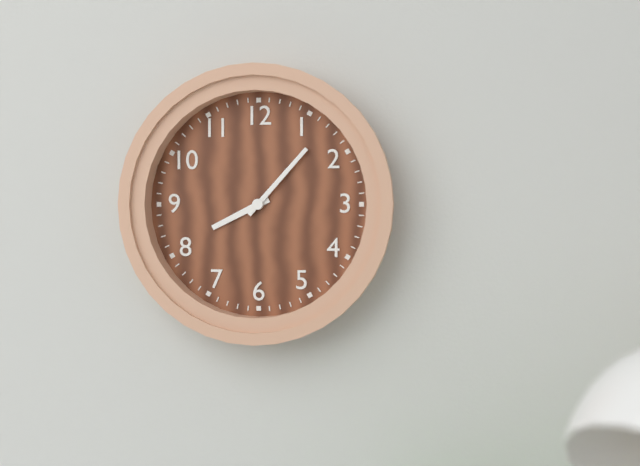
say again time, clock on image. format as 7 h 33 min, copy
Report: 8 h 07 min
